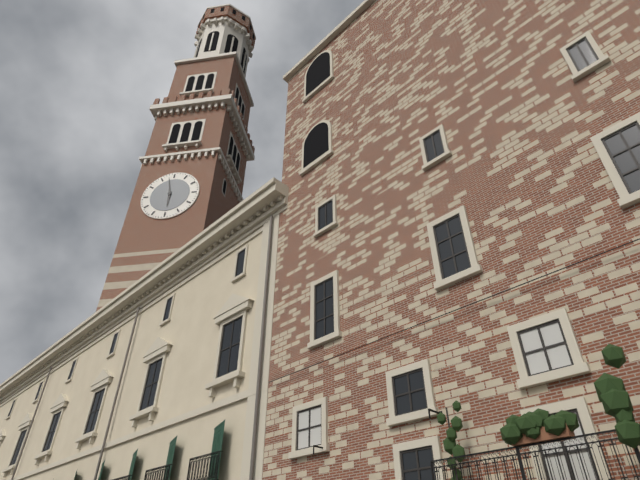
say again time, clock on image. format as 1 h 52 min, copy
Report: 5 h 58 min
